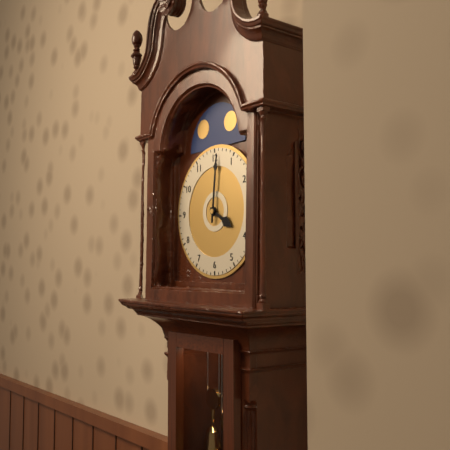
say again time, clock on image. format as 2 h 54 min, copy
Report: 4 h 01 min
